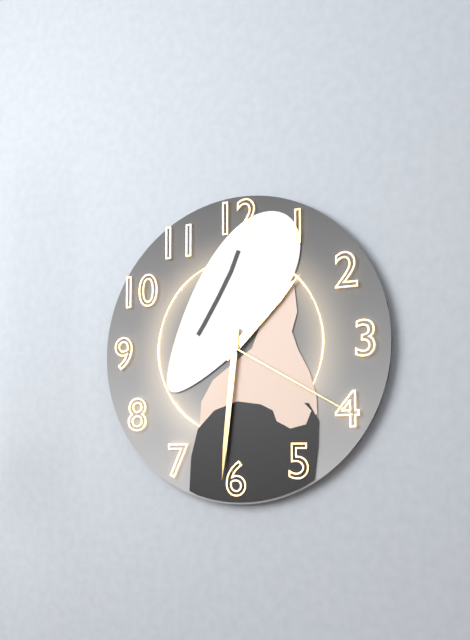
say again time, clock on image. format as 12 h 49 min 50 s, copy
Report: 1 h 31 min 20 s
